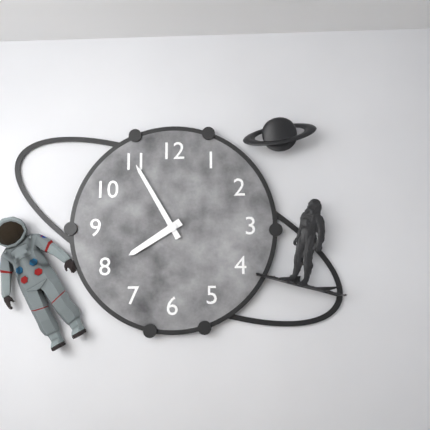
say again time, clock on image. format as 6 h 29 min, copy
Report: 7 h 55 min
